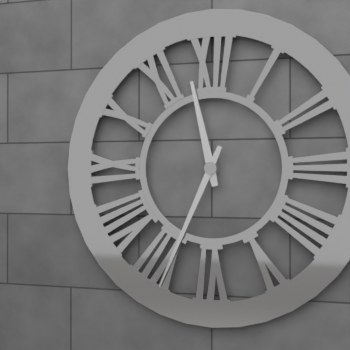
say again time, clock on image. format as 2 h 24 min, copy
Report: 11 h 34 min
